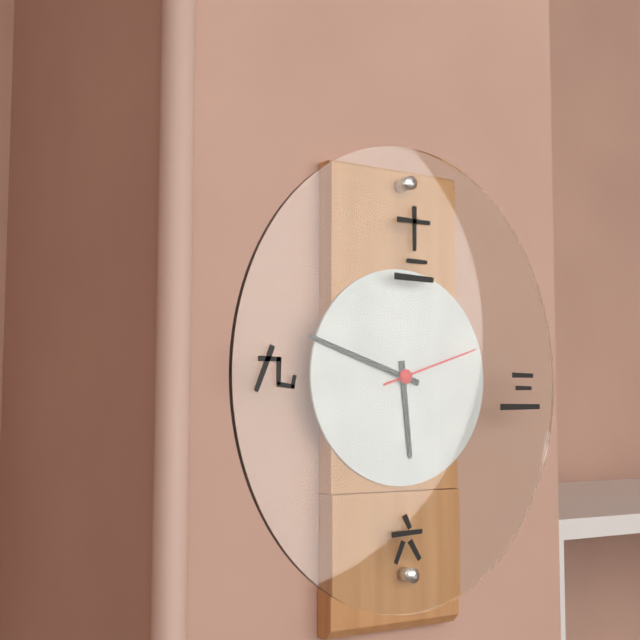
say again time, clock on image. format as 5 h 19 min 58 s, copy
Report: 5 h 48 min 12 s
